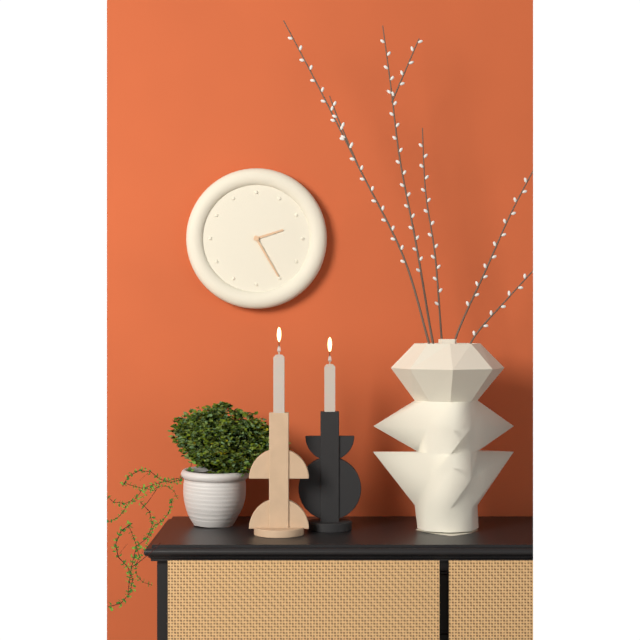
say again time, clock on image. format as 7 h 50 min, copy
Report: 2 h 25 min
